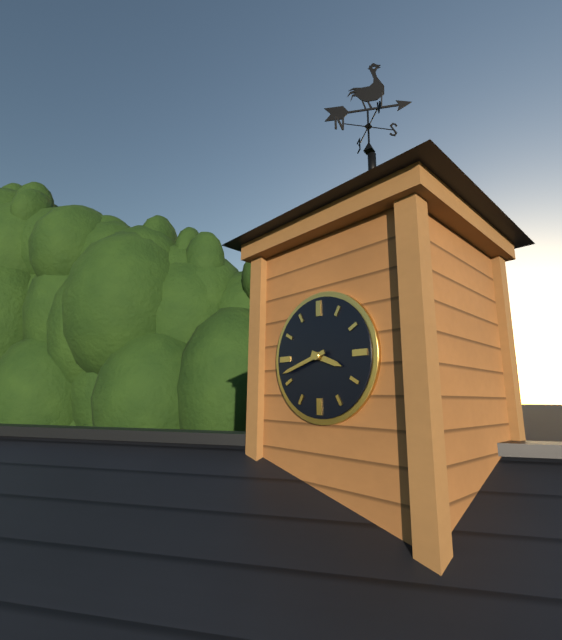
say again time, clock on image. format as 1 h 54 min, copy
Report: 3 h 42 min
